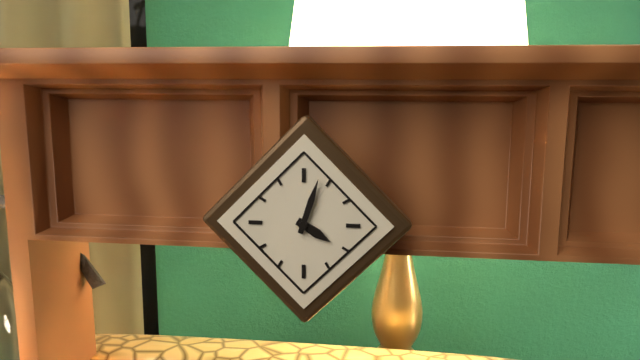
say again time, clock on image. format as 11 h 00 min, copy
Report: 4 h 03 min
